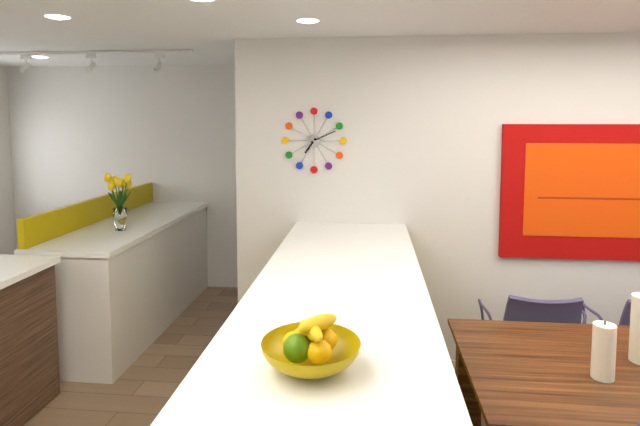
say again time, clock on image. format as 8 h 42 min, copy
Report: 7 h 11 min
